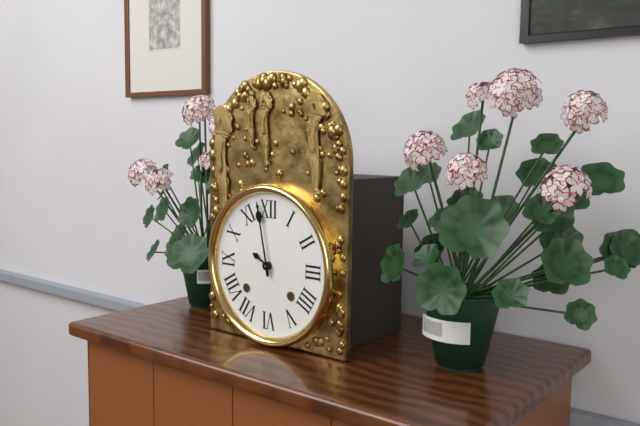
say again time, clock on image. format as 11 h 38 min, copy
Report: 9 h 58 min
